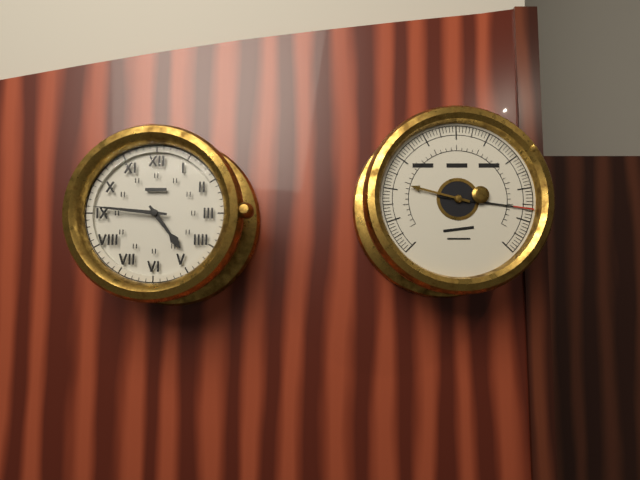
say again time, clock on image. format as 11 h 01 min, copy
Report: 4 h 46 min
